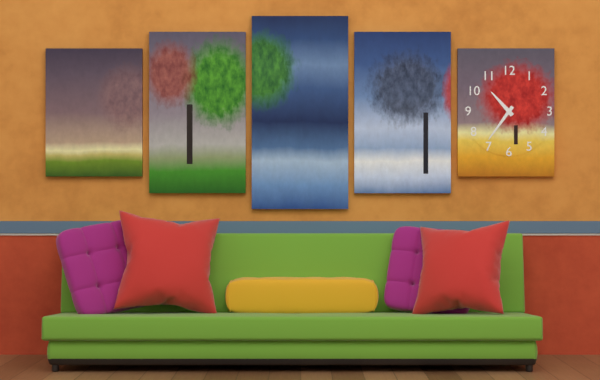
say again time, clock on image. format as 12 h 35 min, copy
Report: 10 h 36 min
